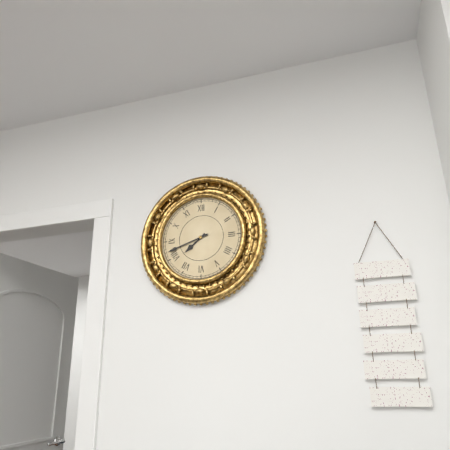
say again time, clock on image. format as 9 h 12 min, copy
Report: 7 h 42 min
